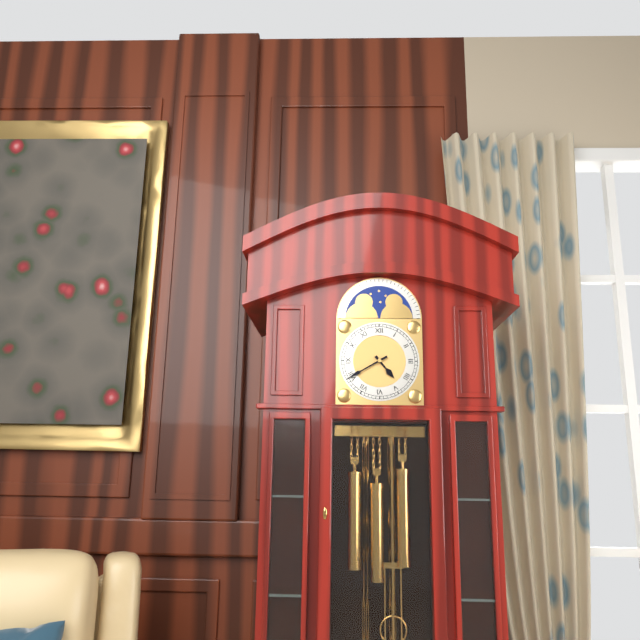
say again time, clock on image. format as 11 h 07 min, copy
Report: 4 h 40 min
